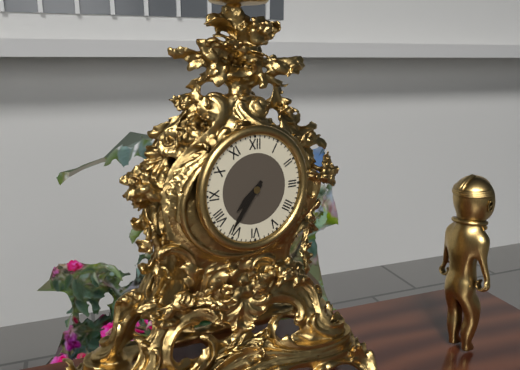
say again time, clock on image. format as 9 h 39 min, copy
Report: 7 h 36 min
